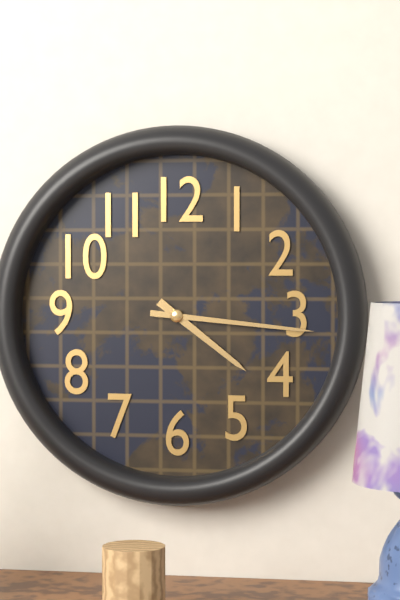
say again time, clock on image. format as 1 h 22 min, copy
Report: 4 h 16 min
